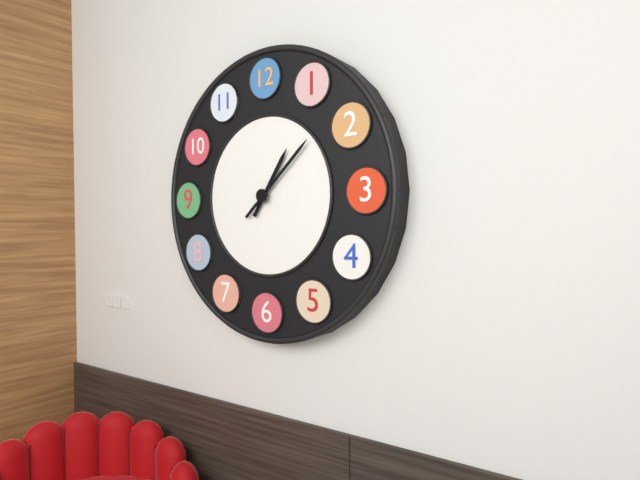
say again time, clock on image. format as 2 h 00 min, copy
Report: 1 h 08 min
